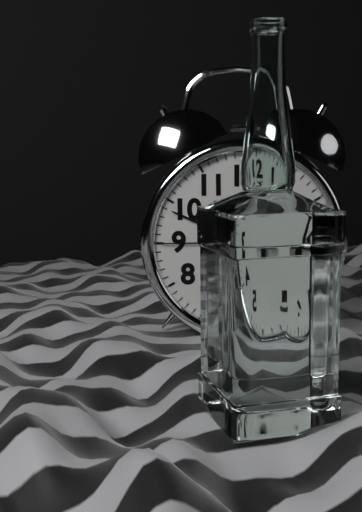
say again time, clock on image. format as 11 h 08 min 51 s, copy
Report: 10 h 49 min 45 s
